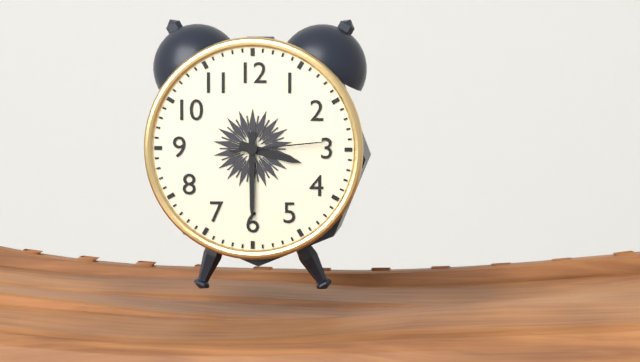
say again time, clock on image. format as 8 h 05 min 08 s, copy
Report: 3 h 30 min 14 s
